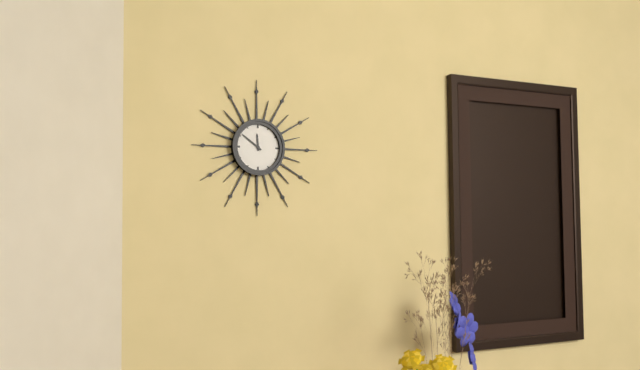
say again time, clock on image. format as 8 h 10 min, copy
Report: 11 h 51 min
